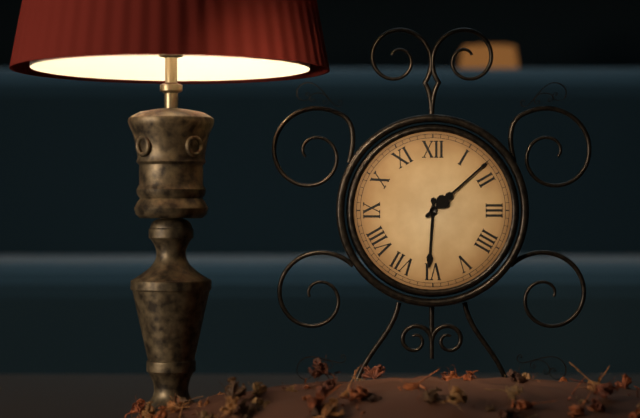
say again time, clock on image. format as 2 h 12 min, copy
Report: 6 h 08 min
